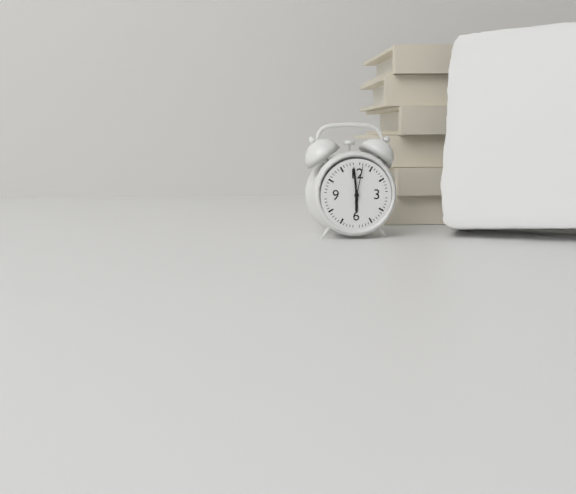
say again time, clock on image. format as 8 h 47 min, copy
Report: 5 h 59 min
